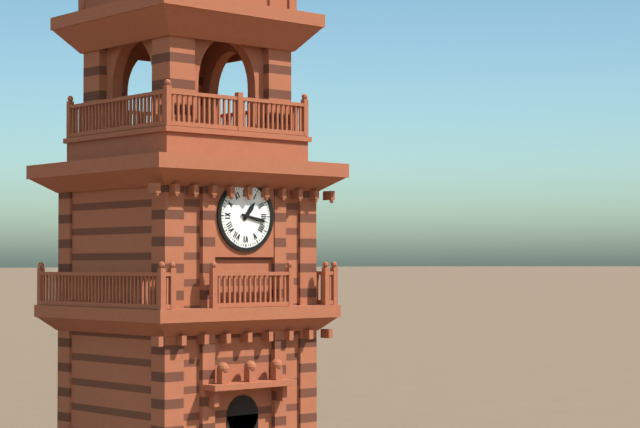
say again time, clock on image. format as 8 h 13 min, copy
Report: 1 h 17 min
